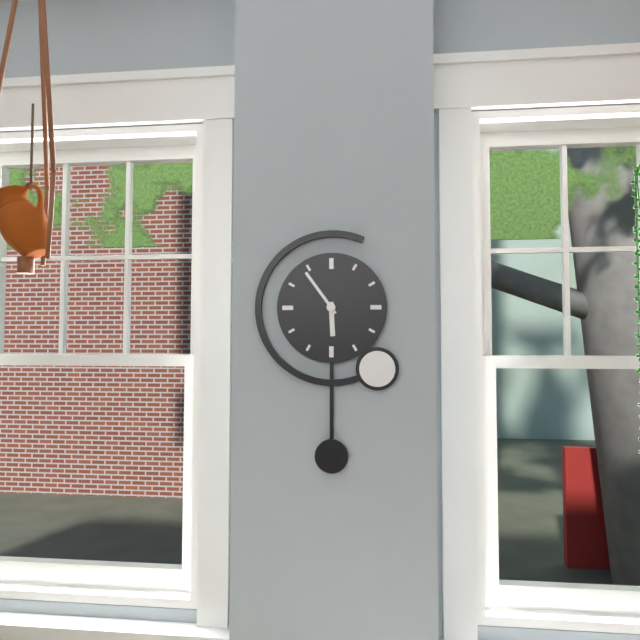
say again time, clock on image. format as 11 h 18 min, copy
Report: 5 h 54 min
